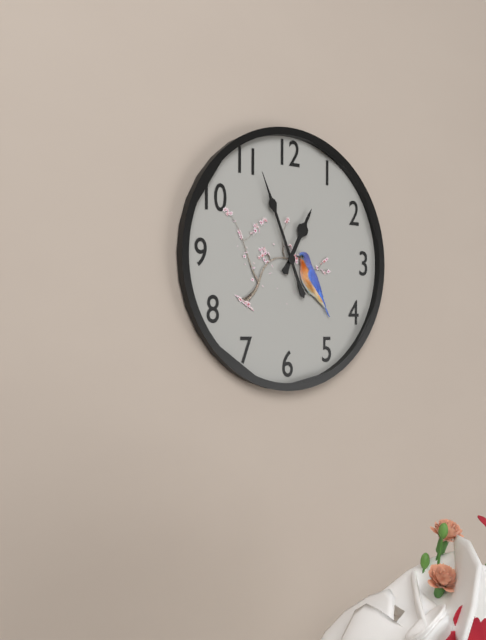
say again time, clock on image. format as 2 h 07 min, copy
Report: 12 h 56 min
